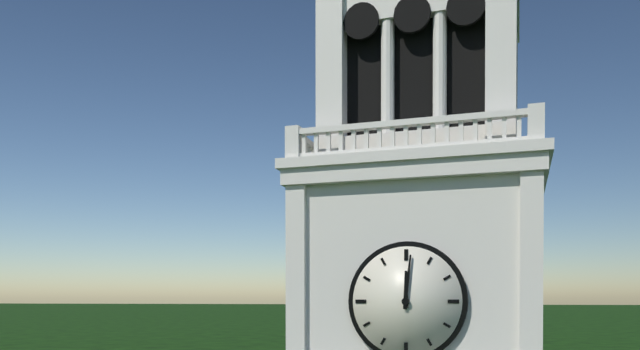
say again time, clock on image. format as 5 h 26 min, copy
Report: 12 h 01 min
